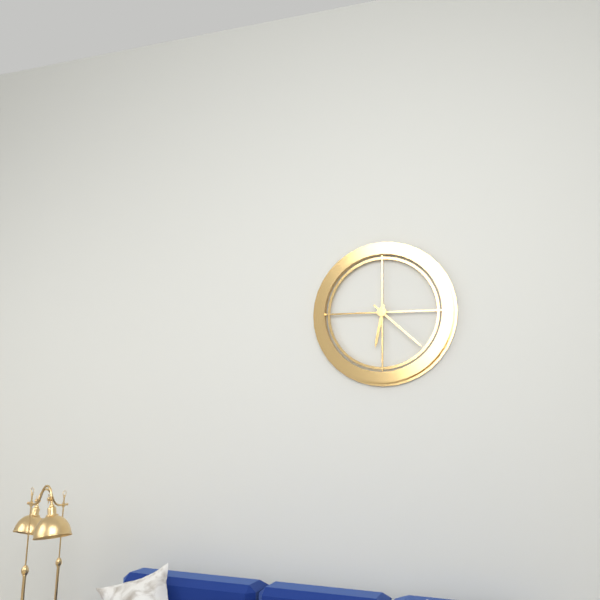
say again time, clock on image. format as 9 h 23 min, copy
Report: 6 h 22 min
